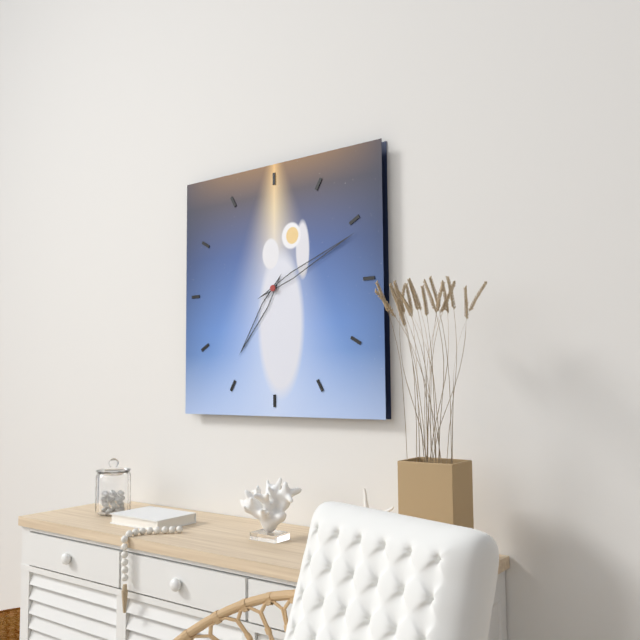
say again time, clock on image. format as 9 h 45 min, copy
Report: 7 h 11 min
